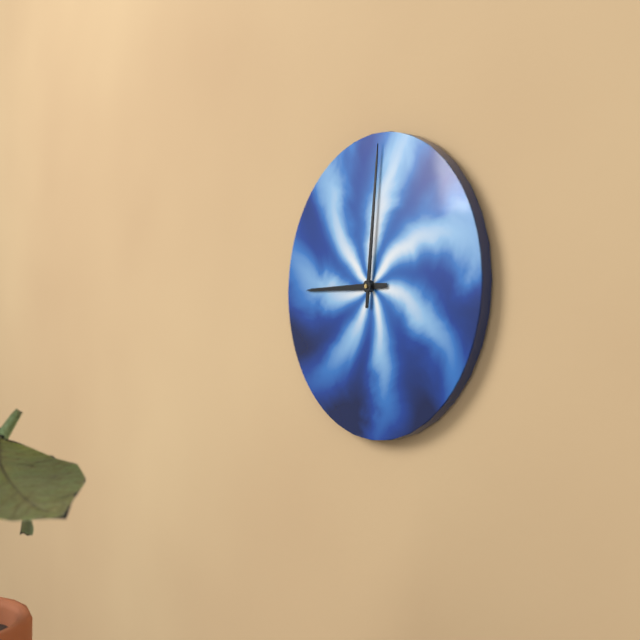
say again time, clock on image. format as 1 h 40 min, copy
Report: 9 h 01 min
